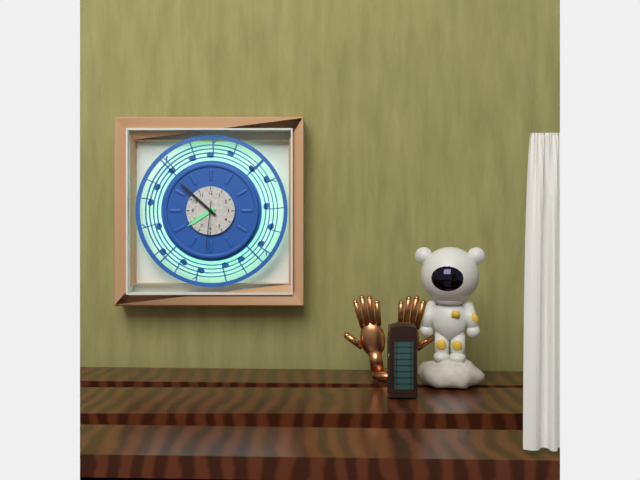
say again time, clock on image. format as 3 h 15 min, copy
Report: 7 h 52 min
